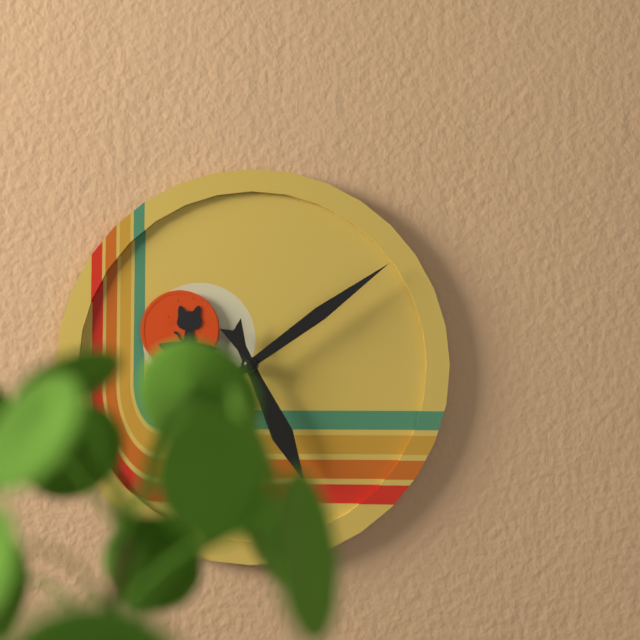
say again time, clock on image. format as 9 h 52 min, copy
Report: 5 h 09 min
